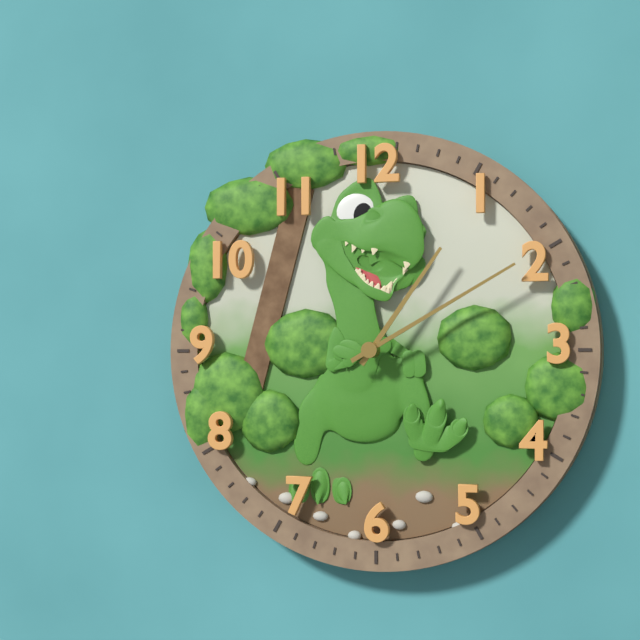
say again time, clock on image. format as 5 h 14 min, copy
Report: 1 h 10 min
